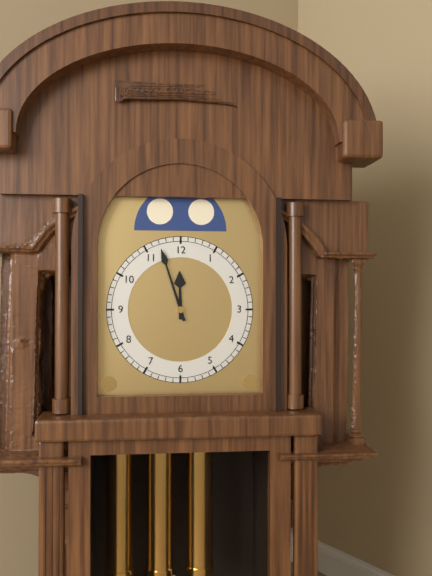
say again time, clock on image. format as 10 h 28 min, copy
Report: 11 h 57 min
